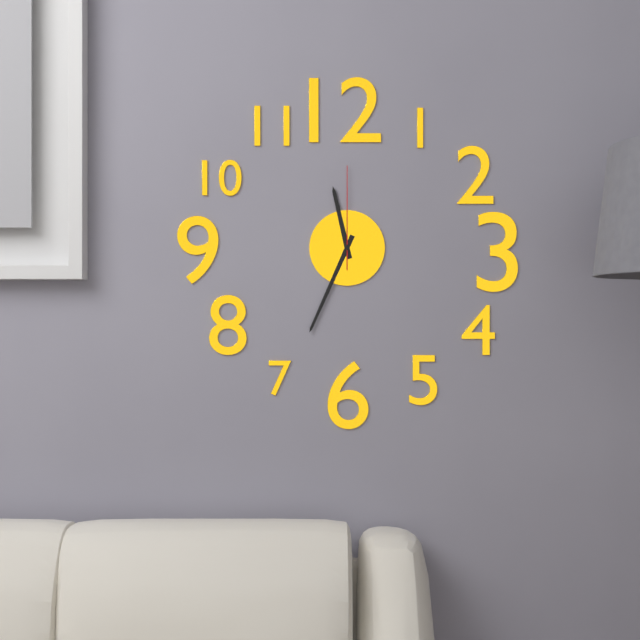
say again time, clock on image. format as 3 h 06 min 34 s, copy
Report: 11 h 34 min 00 s
